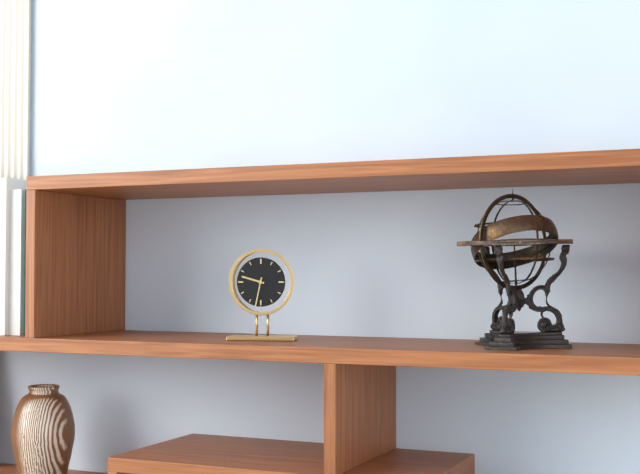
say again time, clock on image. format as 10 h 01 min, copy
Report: 9 h 32 min
